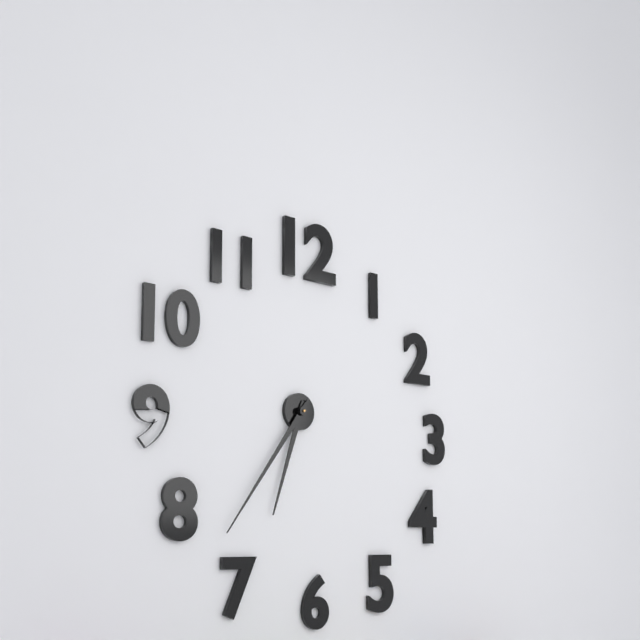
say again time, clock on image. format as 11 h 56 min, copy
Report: 6 h 36 min
